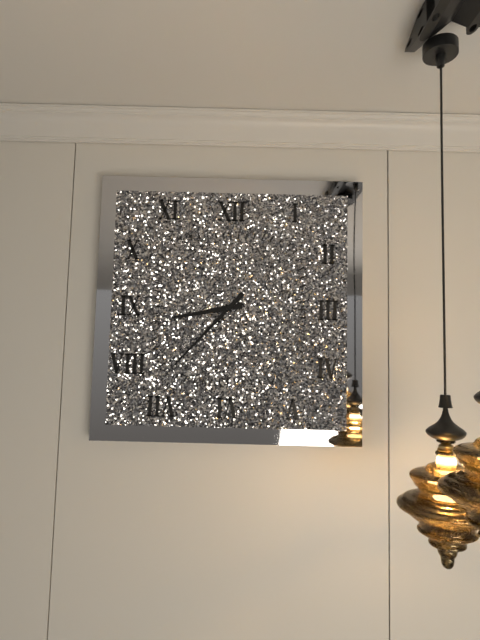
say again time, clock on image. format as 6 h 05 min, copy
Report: 8 h 37 min
